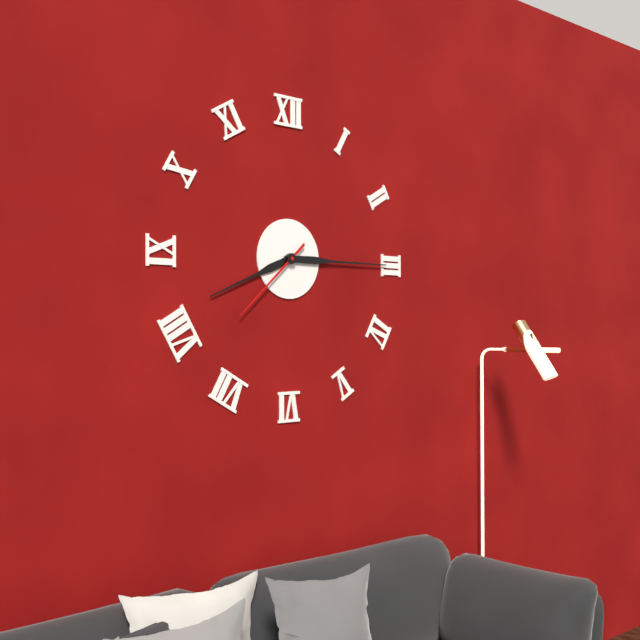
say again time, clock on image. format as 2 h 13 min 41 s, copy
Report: 8 h 15 min 38 s
